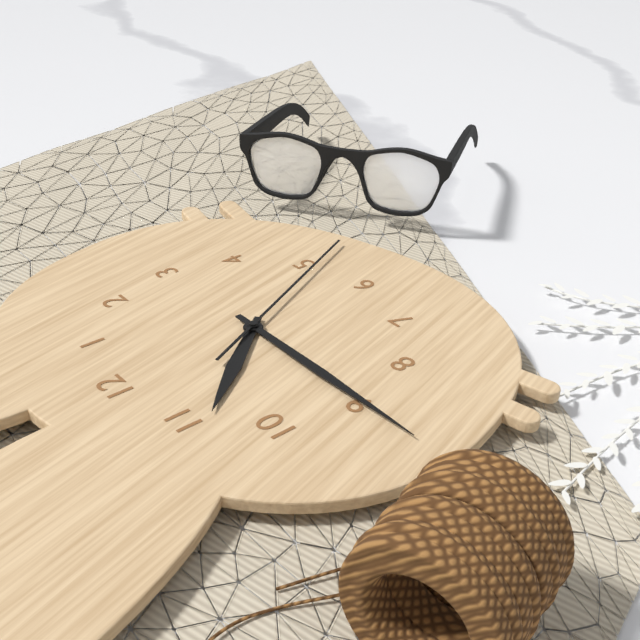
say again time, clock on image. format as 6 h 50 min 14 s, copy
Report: 10 h 45 min 26 s
